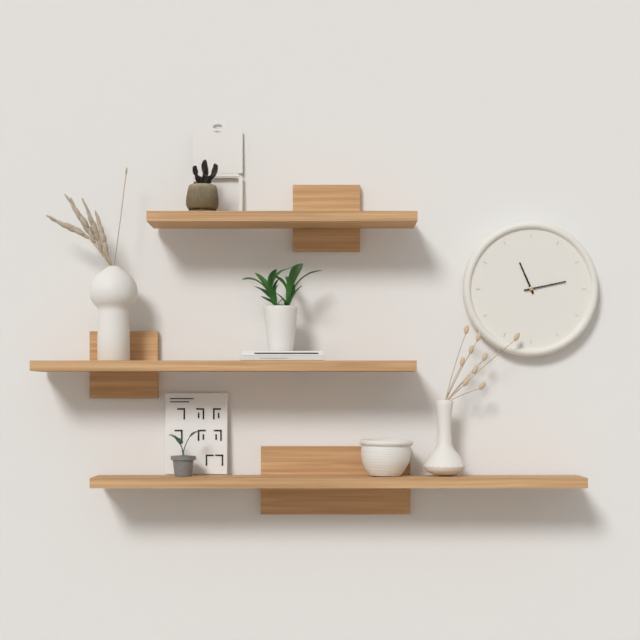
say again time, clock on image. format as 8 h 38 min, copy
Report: 11 h 13 min
